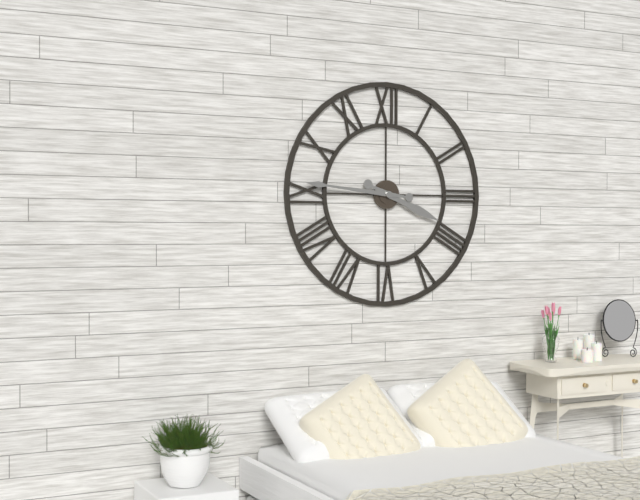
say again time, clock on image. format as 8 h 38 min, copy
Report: 3 h 46 min
